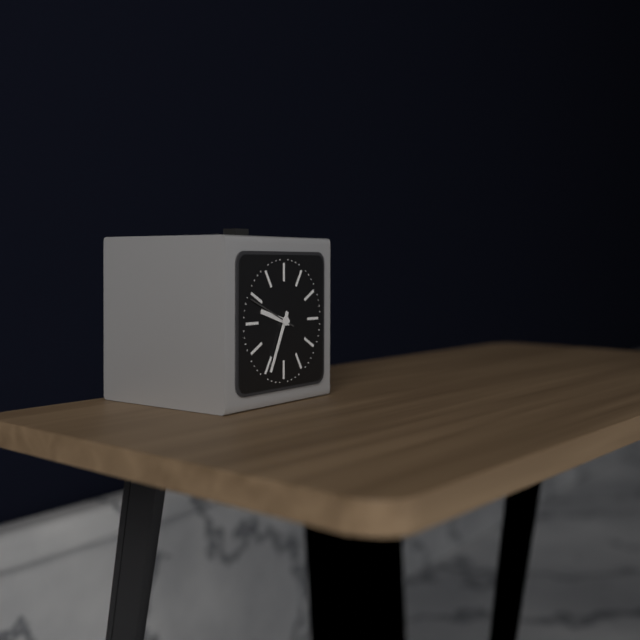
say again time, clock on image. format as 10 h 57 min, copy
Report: 9 h 34 min
